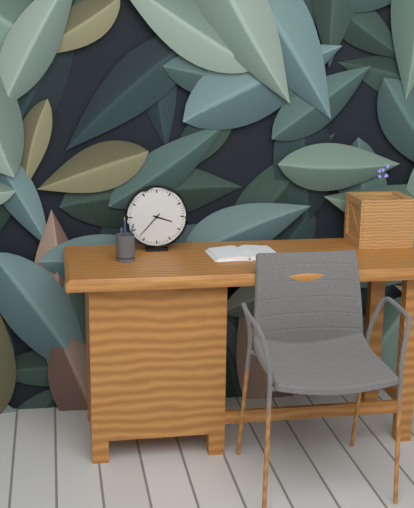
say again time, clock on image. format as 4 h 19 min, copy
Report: 3 h 37 min
